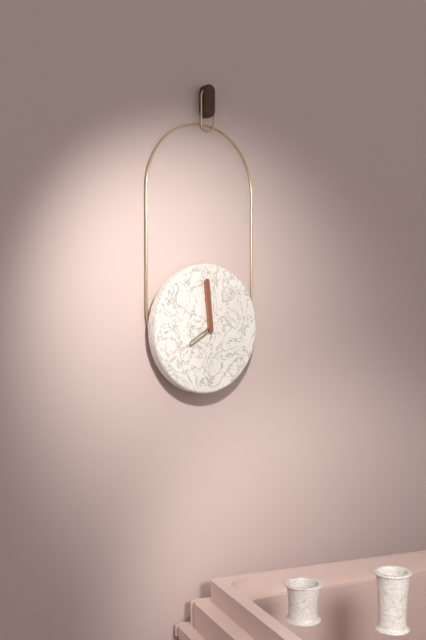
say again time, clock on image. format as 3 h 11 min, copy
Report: 7 h 59 min
